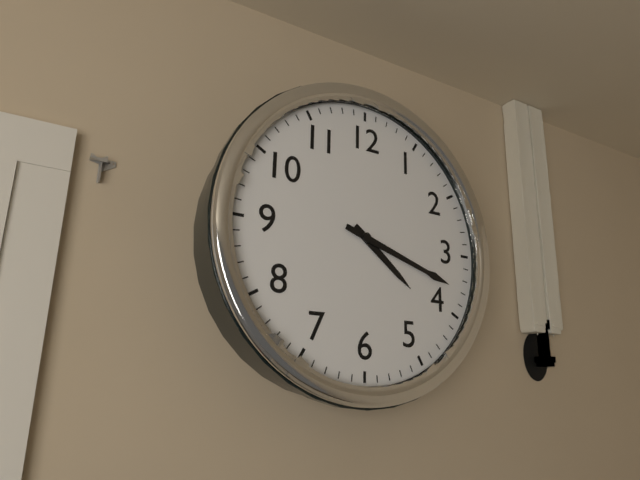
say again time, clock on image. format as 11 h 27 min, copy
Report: 4 h 18 min
